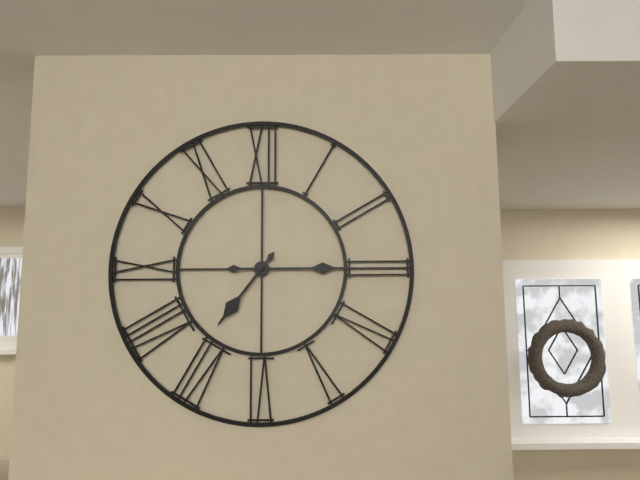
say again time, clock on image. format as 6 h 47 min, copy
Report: 7 h 15 min
